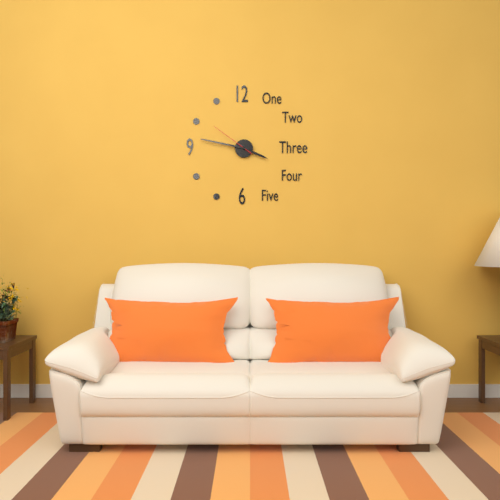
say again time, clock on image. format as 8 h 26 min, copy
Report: 3 h 47 min
